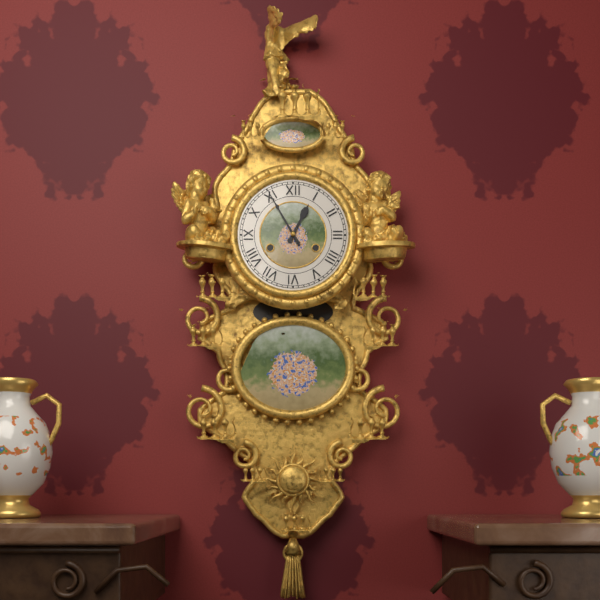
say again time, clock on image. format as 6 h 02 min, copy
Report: 12 h 55 min
